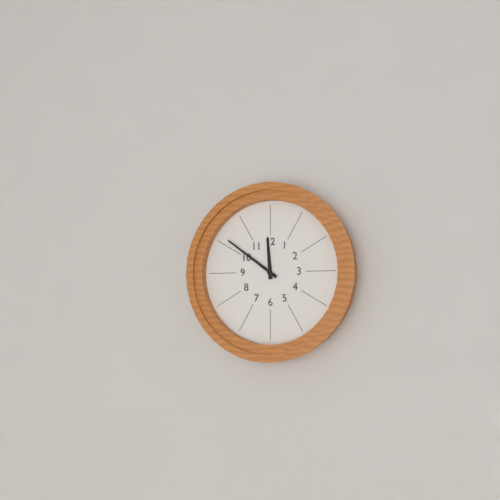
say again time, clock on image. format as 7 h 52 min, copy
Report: 11 h 51 min
